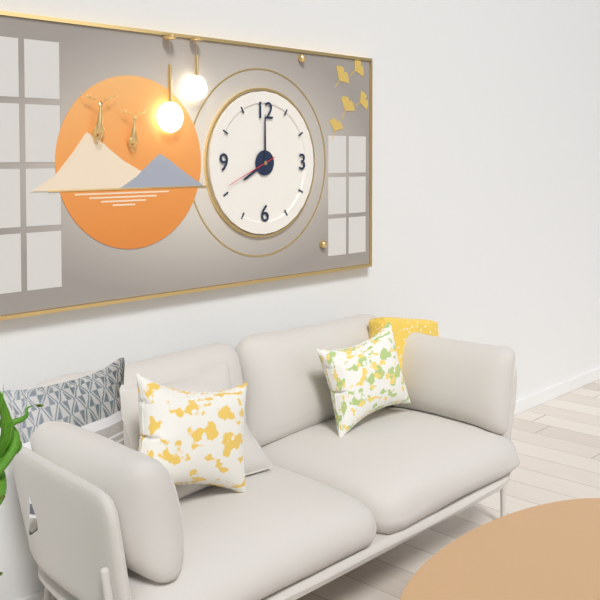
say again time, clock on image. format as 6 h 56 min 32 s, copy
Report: 8 h 00 min 41 s
